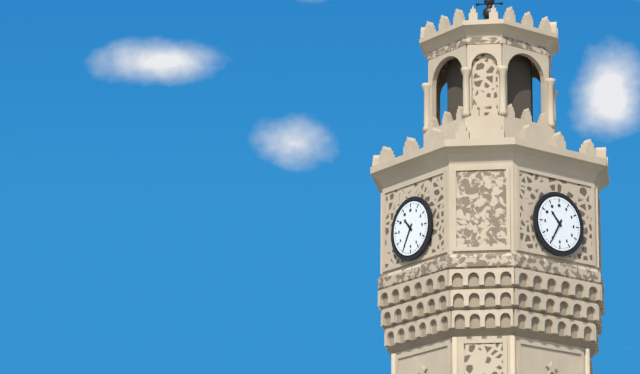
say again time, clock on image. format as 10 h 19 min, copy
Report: 10 h 35 min
